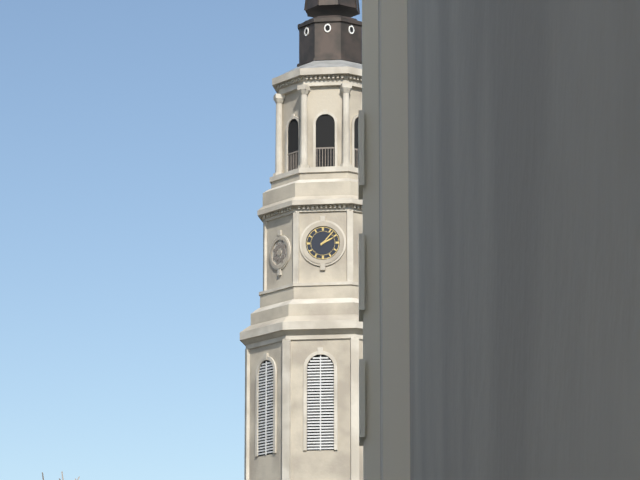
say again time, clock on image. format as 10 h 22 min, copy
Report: 2 h 07 min
